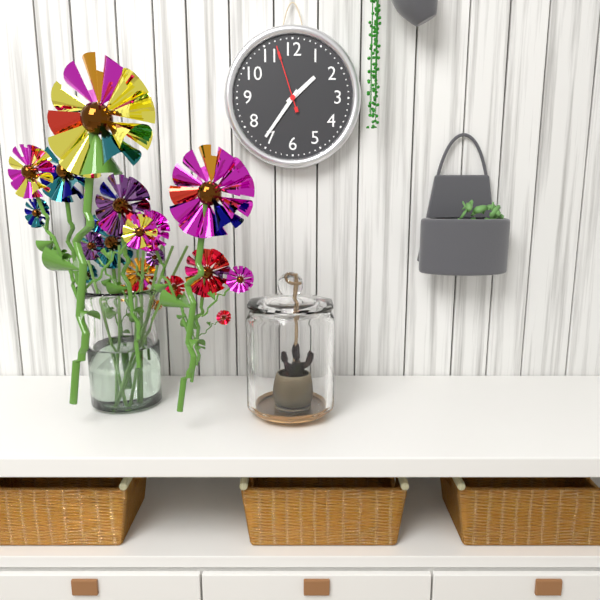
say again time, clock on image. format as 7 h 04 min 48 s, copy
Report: 1 h 36 min 57 s
